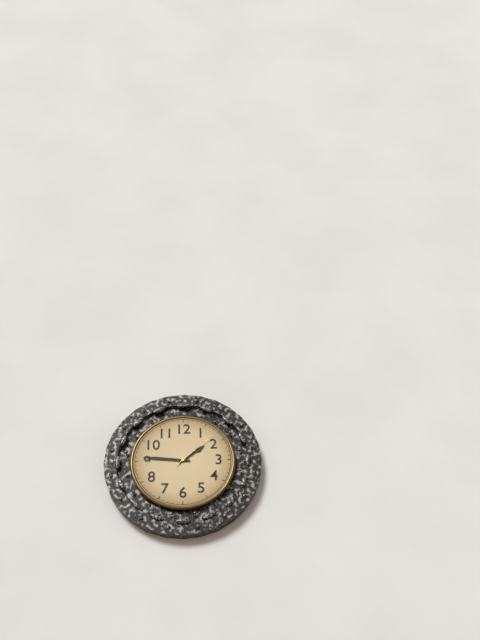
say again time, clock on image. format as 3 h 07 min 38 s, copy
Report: 1 h 46 min 08 s
